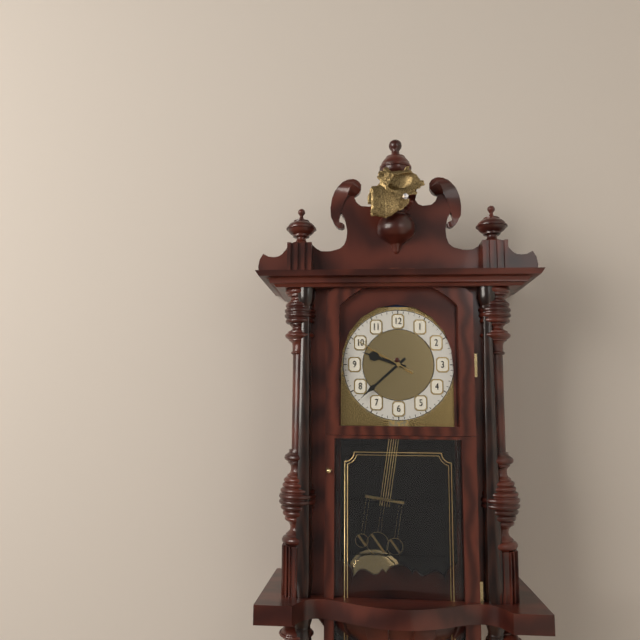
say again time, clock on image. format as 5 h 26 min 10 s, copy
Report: 9 h 38 min 50 s
